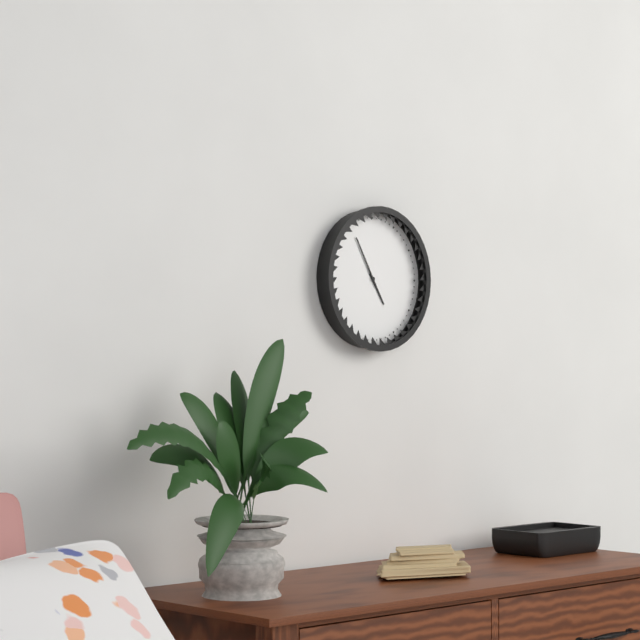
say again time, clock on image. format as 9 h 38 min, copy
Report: 4 h 55 min
